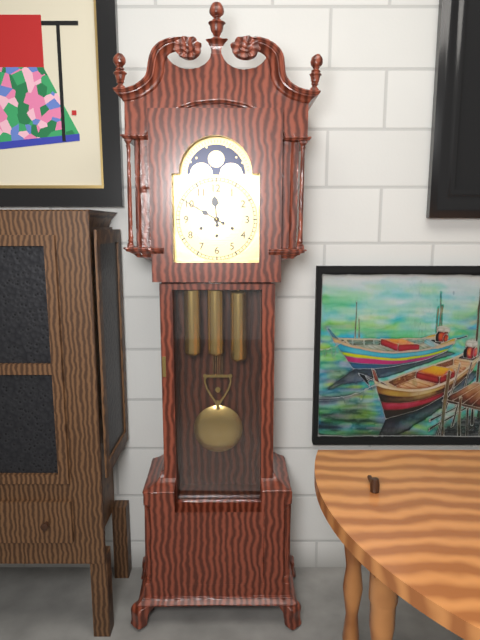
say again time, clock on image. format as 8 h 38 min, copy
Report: 11 h 50 min
